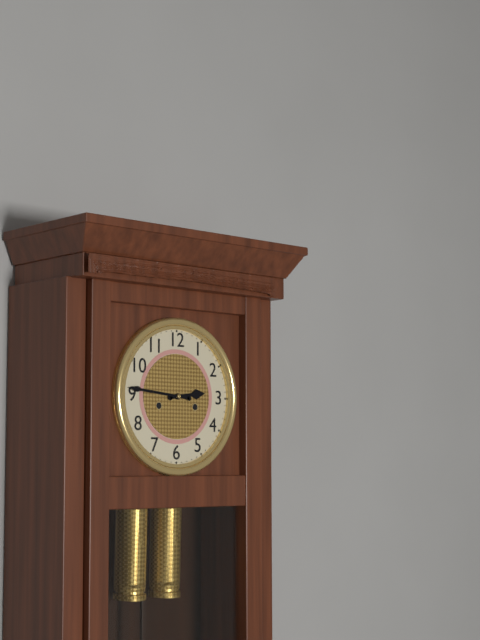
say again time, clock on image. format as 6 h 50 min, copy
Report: 2 h 46 min
